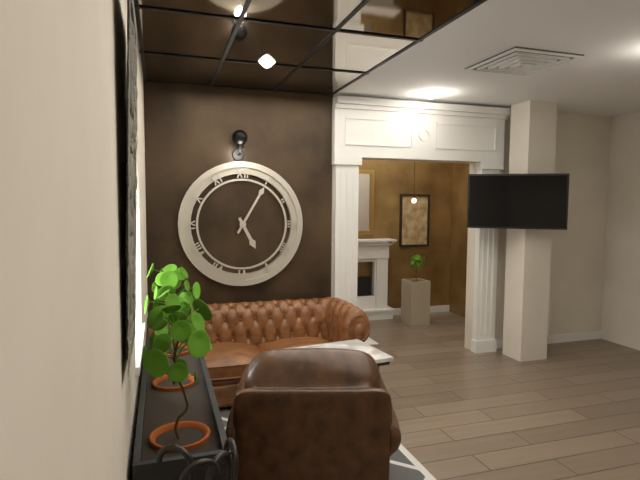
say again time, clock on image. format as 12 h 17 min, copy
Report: 5 h 05 min
